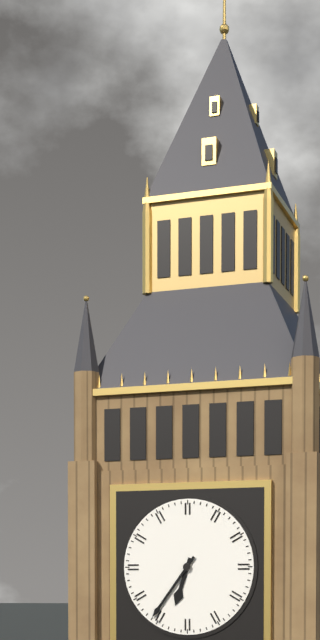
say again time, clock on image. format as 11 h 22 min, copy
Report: 6 h 36 min
